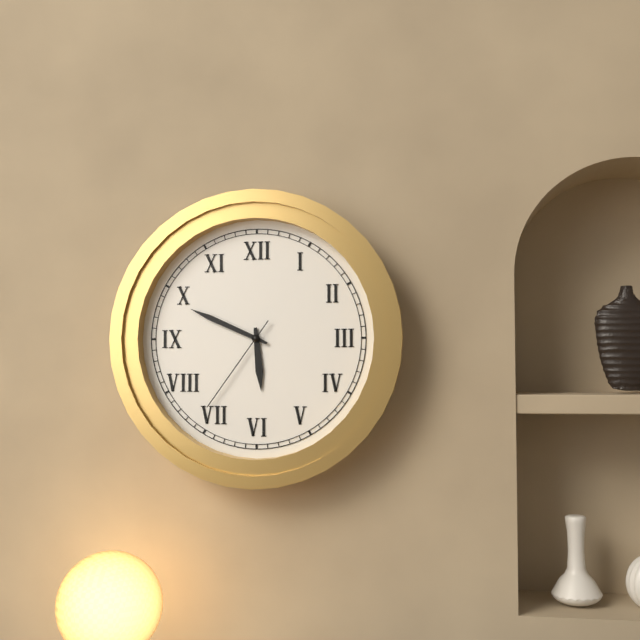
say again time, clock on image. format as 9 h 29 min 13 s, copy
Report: 5 h 49 min 36 s
